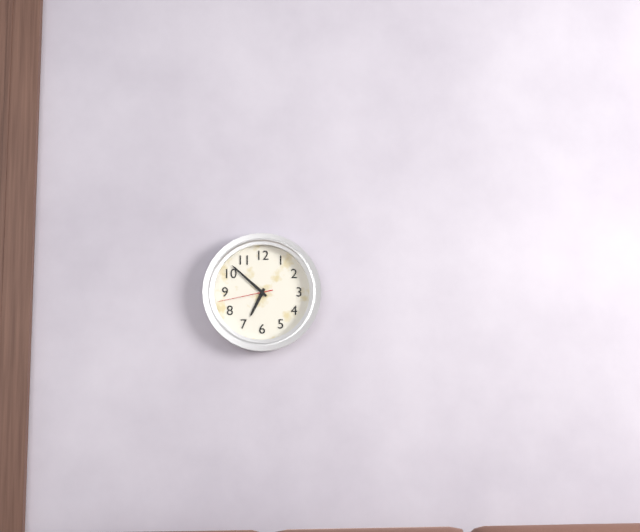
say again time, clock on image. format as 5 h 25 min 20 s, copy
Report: 6 h 52 min 43 s
